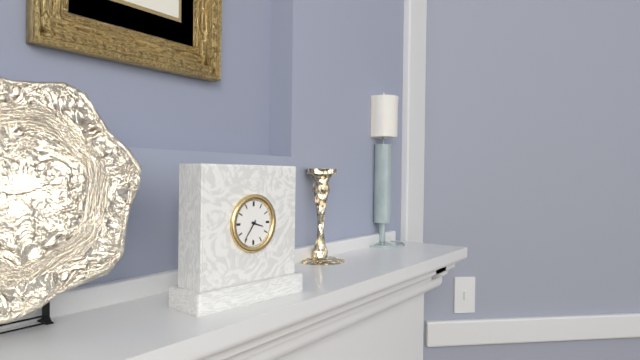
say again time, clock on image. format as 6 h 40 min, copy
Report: 3 h 36 min
